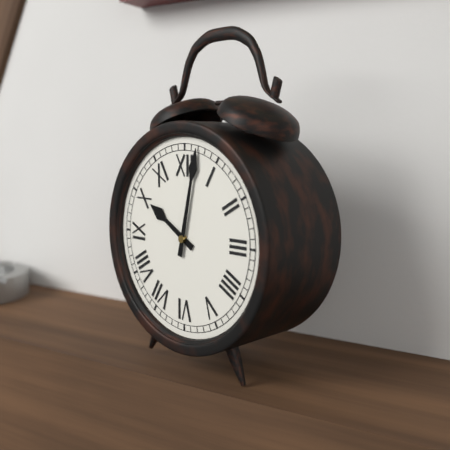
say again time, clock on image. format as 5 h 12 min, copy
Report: 10 h 02 min
